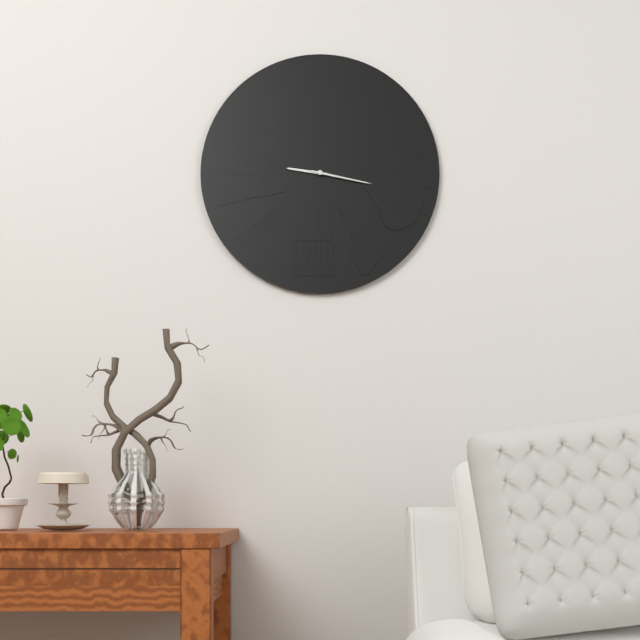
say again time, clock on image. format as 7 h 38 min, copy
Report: 9 h 17 min
